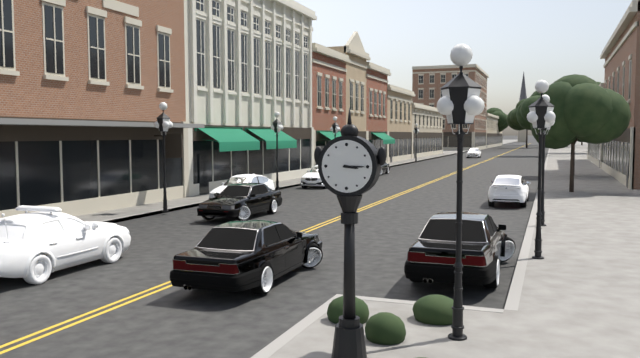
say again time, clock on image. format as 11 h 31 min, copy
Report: 3 h 15 min
